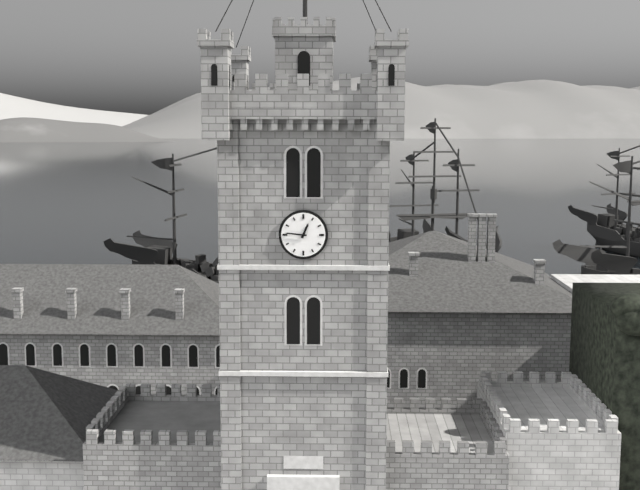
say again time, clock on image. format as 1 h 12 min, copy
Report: 12 h 46 min
